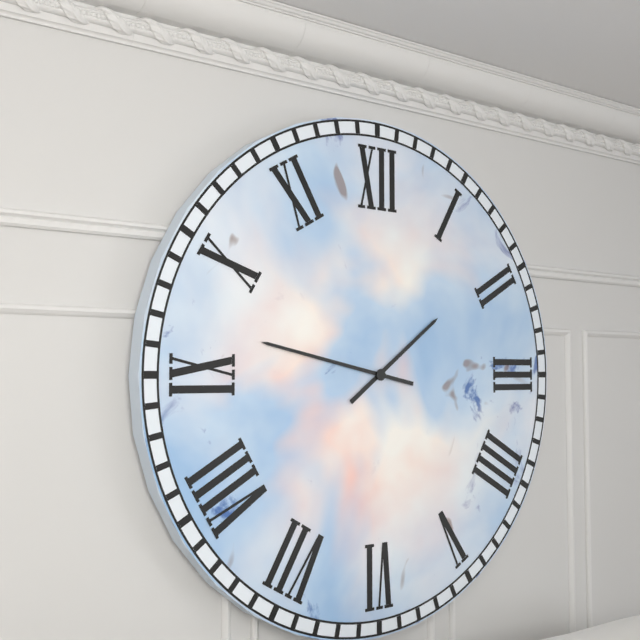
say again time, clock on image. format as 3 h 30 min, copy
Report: 1 h 47 min
